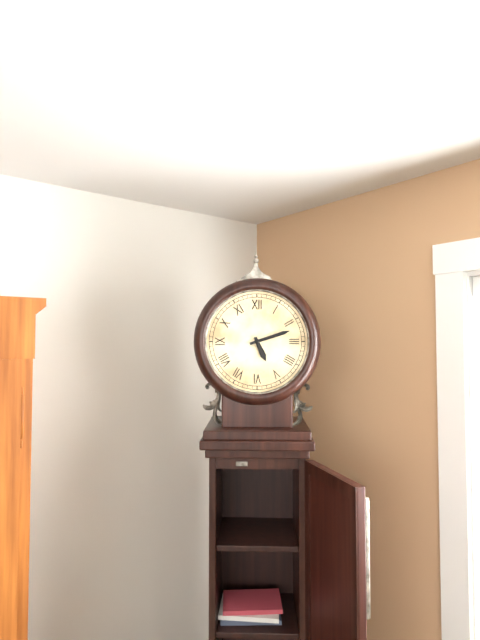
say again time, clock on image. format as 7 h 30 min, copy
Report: 5 h 12 min
